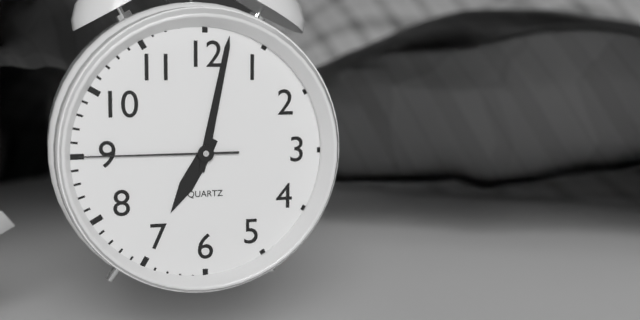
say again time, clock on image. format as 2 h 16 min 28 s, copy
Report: 7 h 02 min 45 s
